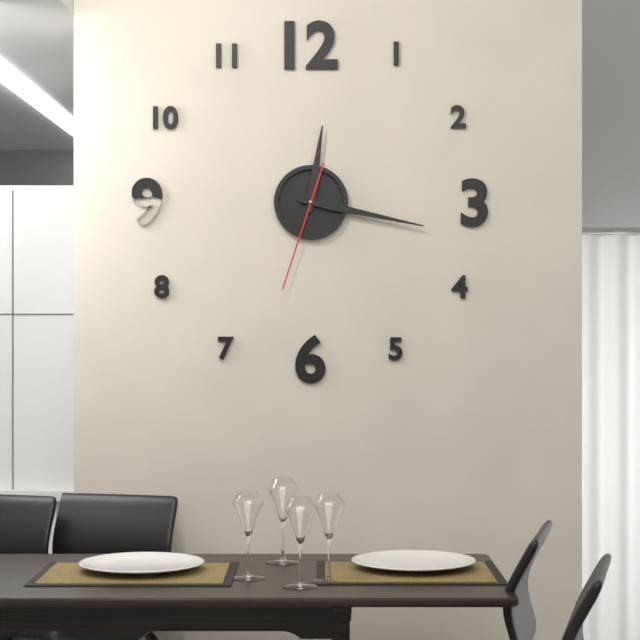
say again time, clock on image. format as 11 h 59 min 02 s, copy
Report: 12 h 17 min 33 s
